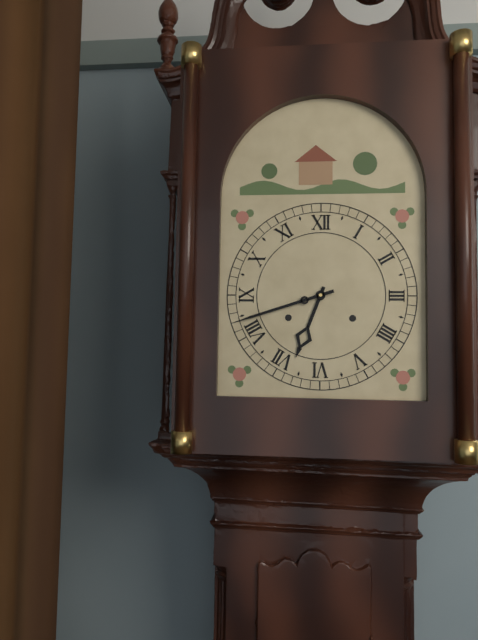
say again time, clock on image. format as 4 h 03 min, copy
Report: 6 h 42 min
